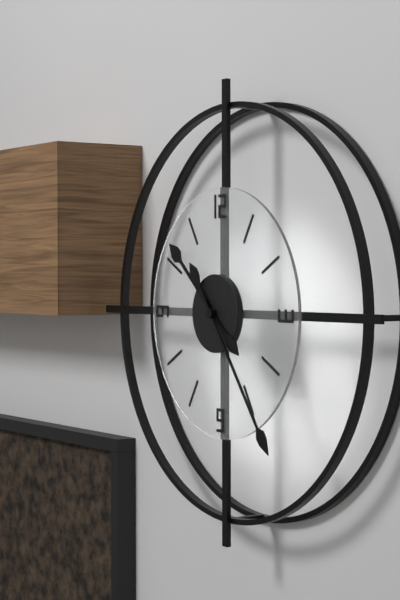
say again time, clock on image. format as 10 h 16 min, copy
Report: 10 h 24 min
